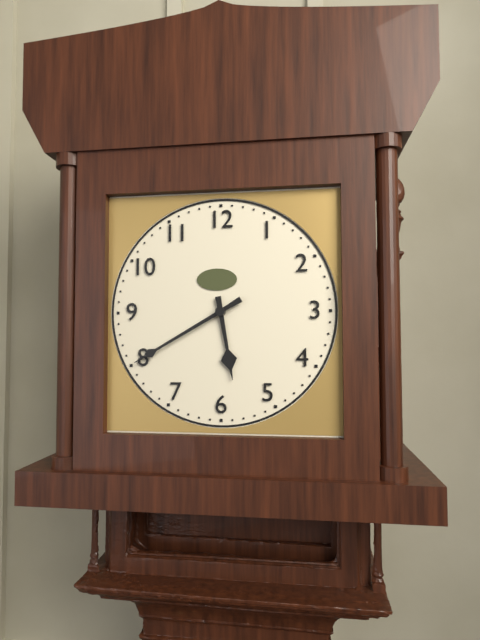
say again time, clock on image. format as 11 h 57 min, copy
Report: 5 h 40 min
